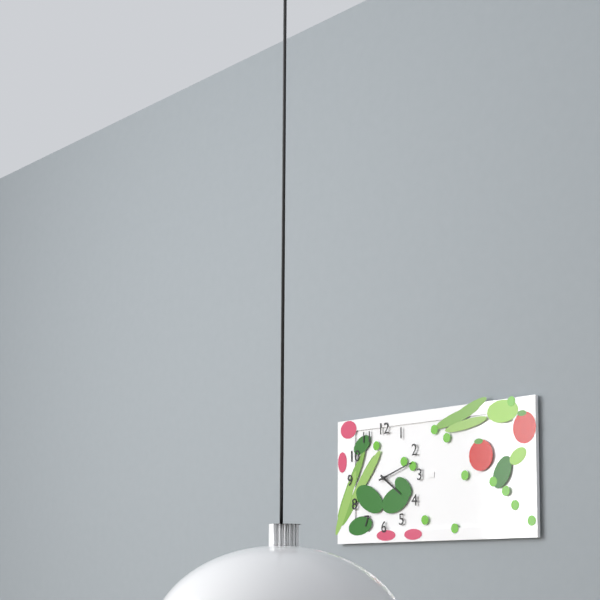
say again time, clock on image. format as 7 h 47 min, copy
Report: 4 h 12 min
